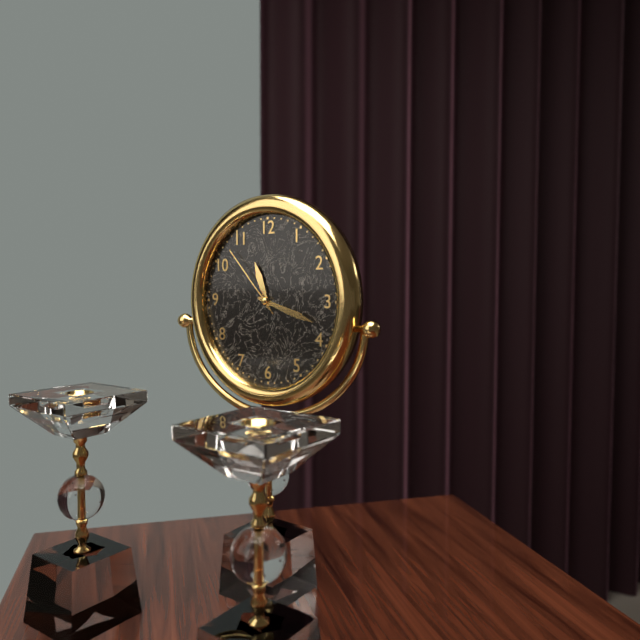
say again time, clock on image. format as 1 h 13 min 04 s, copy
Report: 11 h 18 min 53 s
